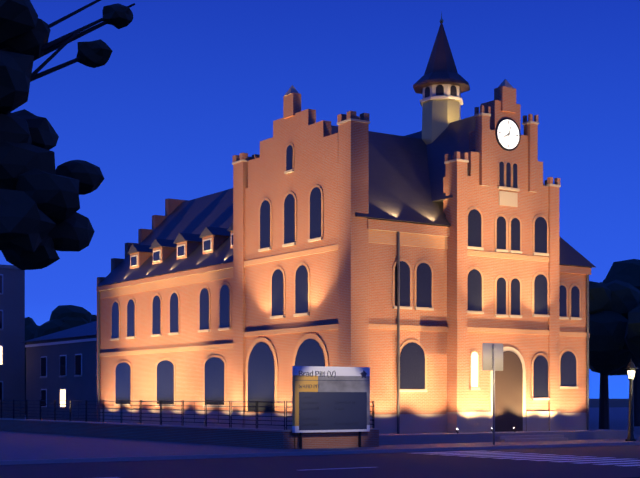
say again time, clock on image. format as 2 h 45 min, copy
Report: 8 h 03 min
